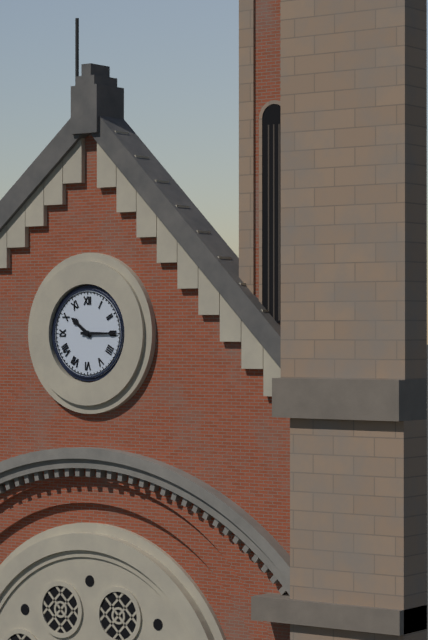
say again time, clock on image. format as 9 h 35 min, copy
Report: 10 h 15 min
